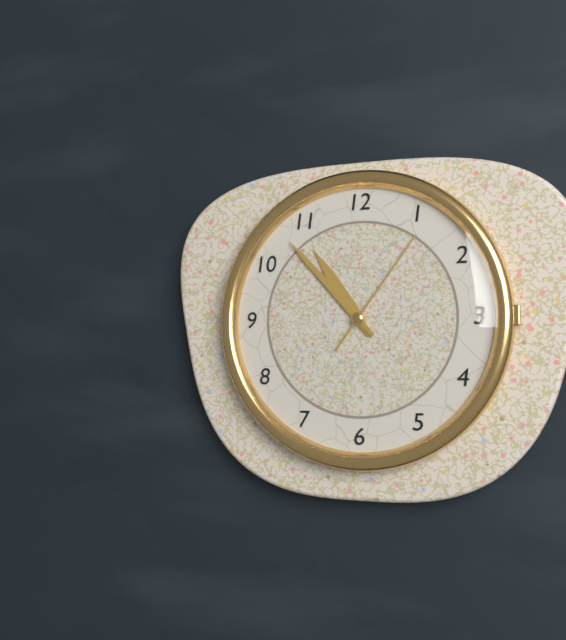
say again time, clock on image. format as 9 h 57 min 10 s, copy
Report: 10 h 53 min 06 s
